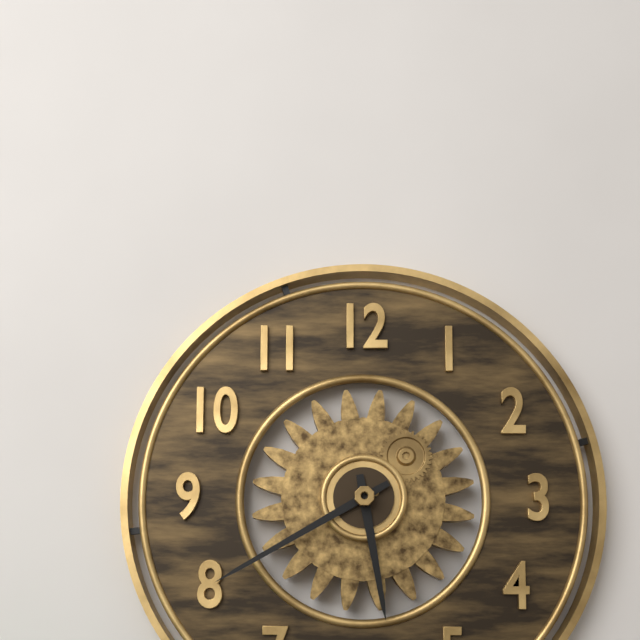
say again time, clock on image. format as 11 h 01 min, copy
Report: 5 h 40 min
